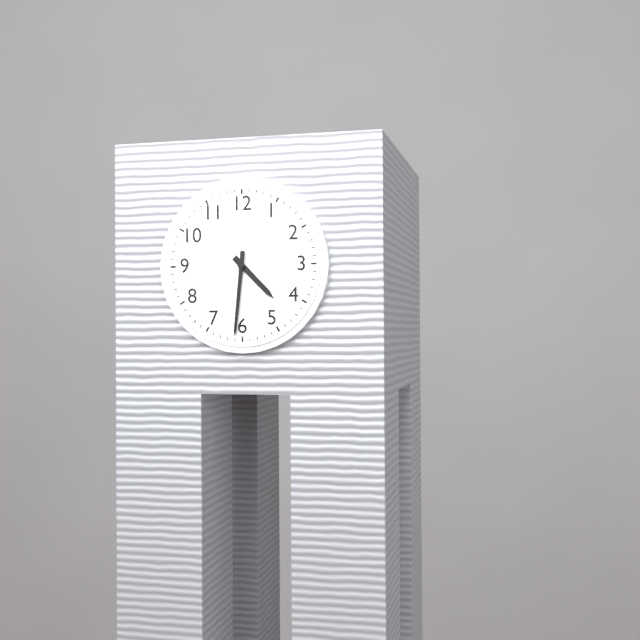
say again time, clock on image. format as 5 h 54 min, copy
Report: 4 h 31 min
